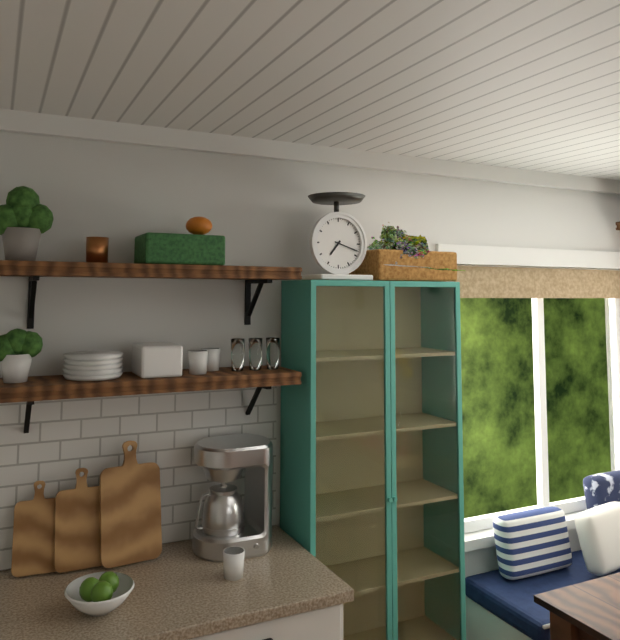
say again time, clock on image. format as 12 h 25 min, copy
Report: 7 h 18 min
